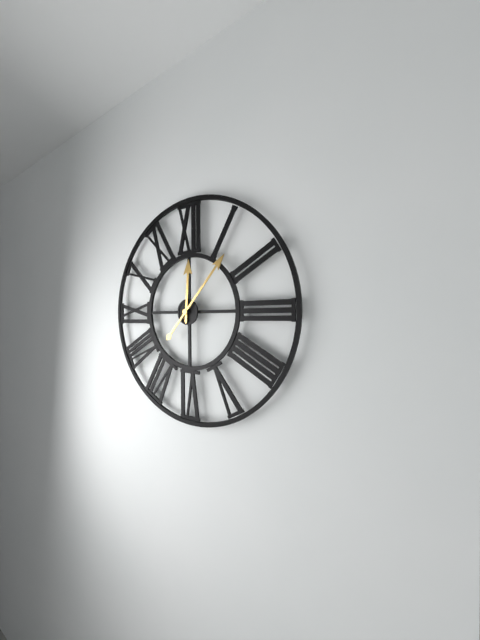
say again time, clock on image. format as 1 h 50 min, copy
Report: 12 h 07 min
